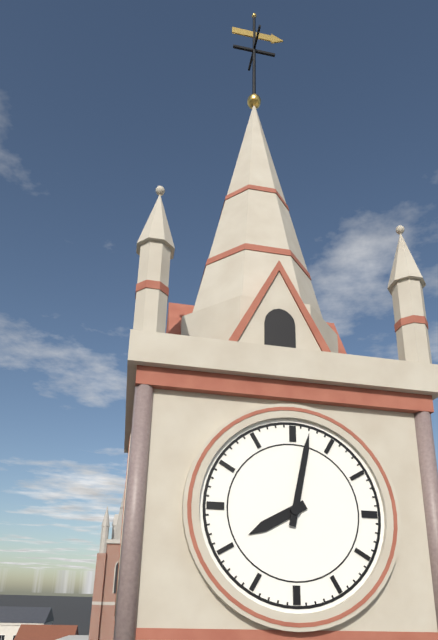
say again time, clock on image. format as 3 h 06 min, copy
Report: 8 h 02 min
